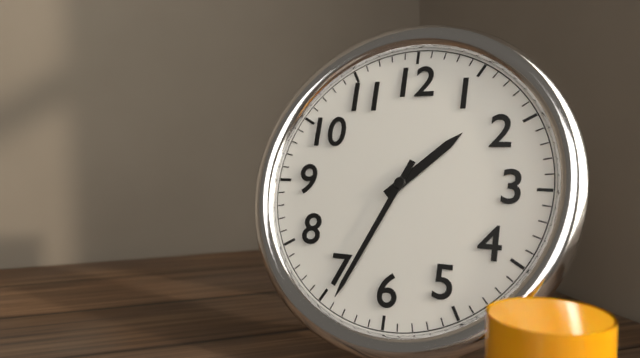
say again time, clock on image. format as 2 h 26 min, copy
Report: 1 h 34 min
